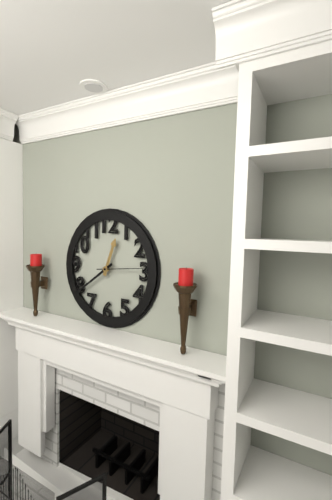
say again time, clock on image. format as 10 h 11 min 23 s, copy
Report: 12 h 39 min 14 s
